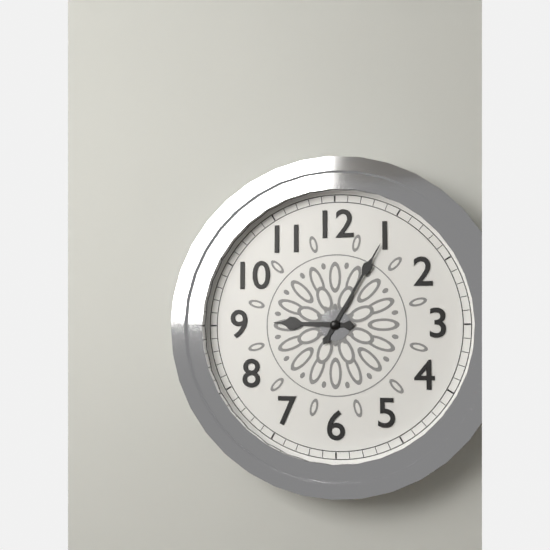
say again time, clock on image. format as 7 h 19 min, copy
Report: 9 h 05 min
